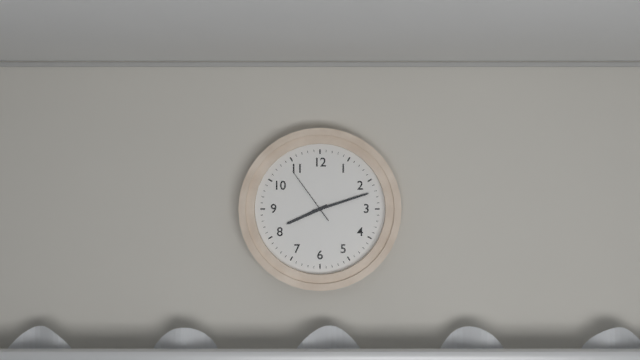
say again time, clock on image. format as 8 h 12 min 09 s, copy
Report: 8 h 12 min 54 s
